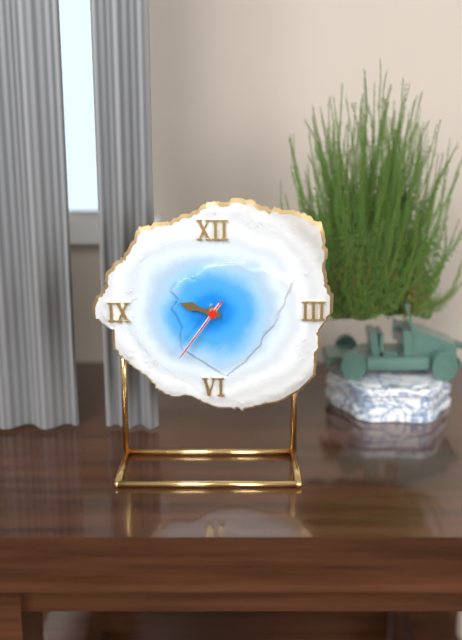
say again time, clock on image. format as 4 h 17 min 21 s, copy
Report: 9 h 36 min 36 s
